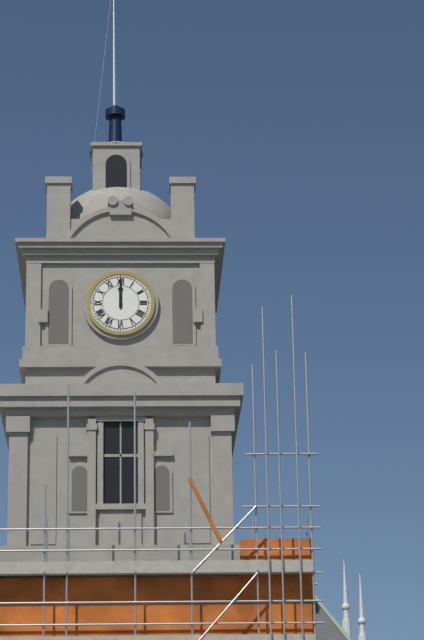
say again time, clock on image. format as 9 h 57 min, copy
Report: 12 h 00 min
